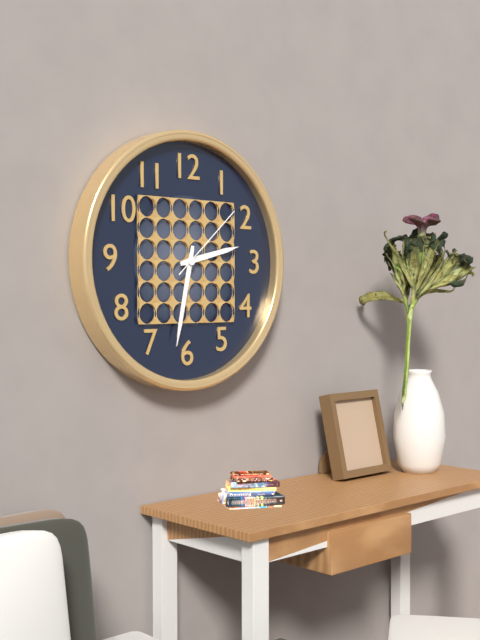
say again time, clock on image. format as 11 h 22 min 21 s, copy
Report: 2 h 32 min 08 s
